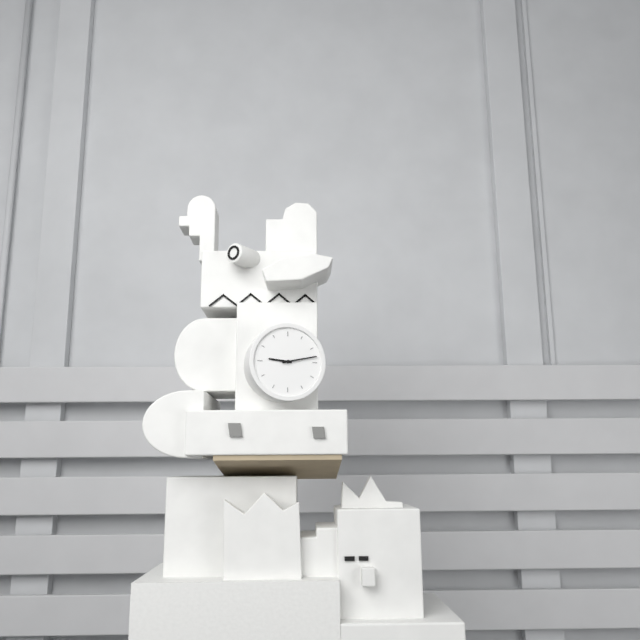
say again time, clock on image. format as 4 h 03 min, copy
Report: 9 h 13 min
